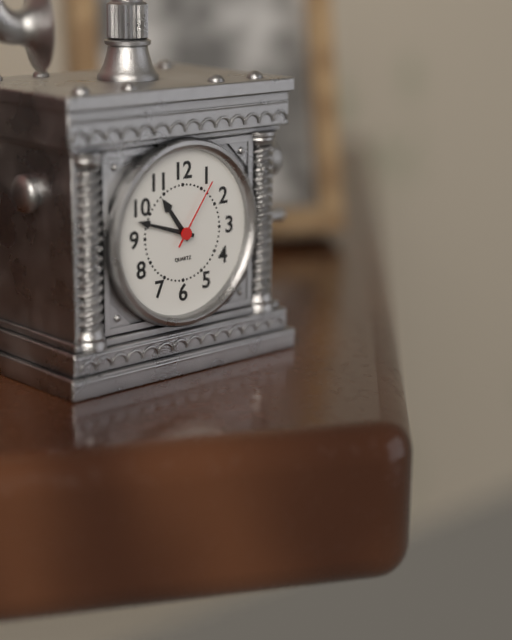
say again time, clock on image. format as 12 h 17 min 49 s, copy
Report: 10 h 48 min 06 s
